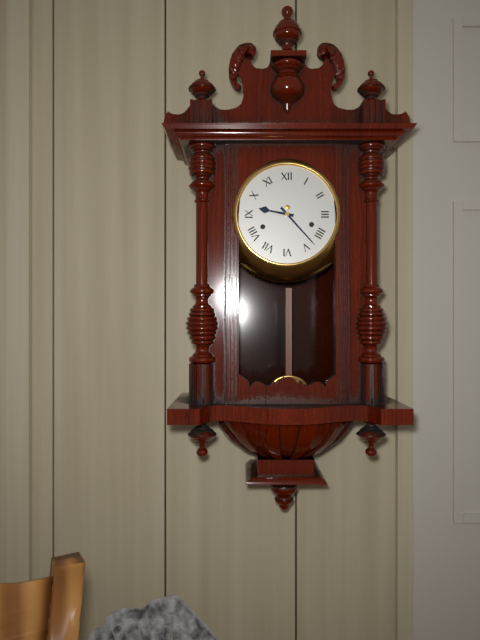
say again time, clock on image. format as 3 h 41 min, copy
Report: 9 h 23 min
